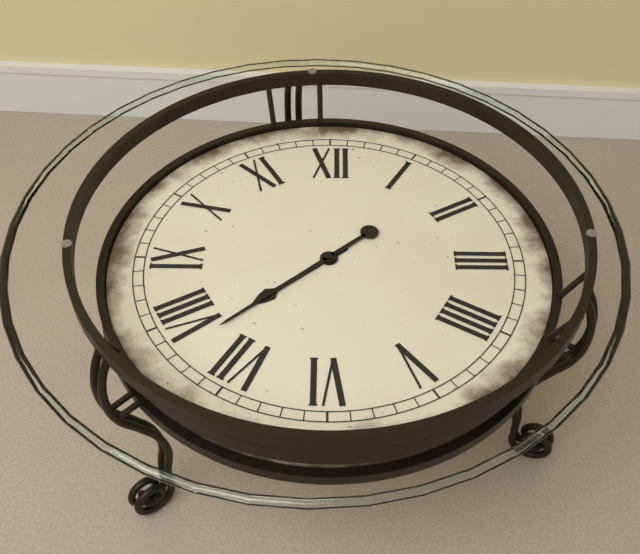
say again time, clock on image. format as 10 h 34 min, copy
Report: 7 h 38 min
